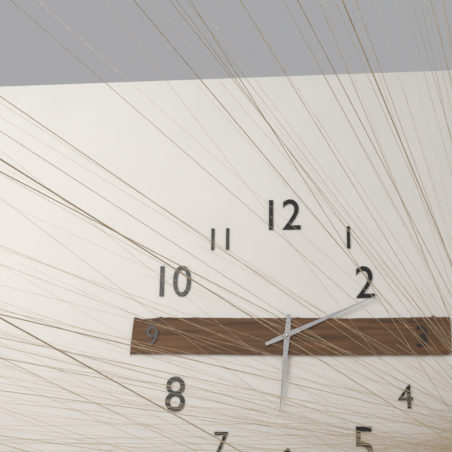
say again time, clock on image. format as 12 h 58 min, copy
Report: 6 h 11 min
